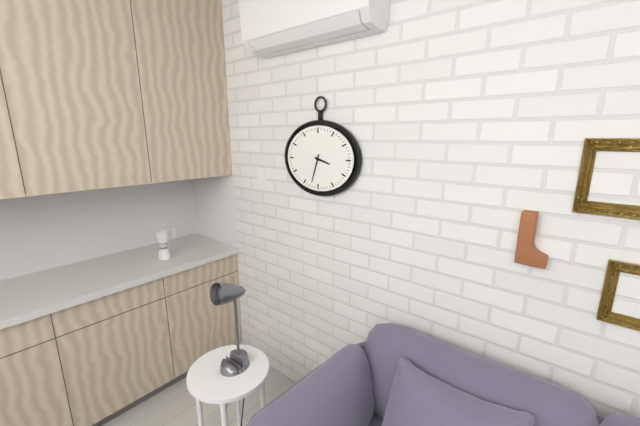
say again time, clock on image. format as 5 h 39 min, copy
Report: 3 h 33 min
